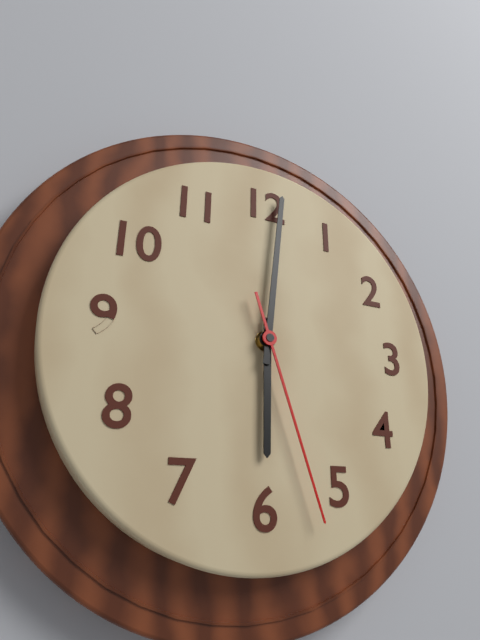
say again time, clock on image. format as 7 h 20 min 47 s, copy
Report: 6 h 01 min 27 s
